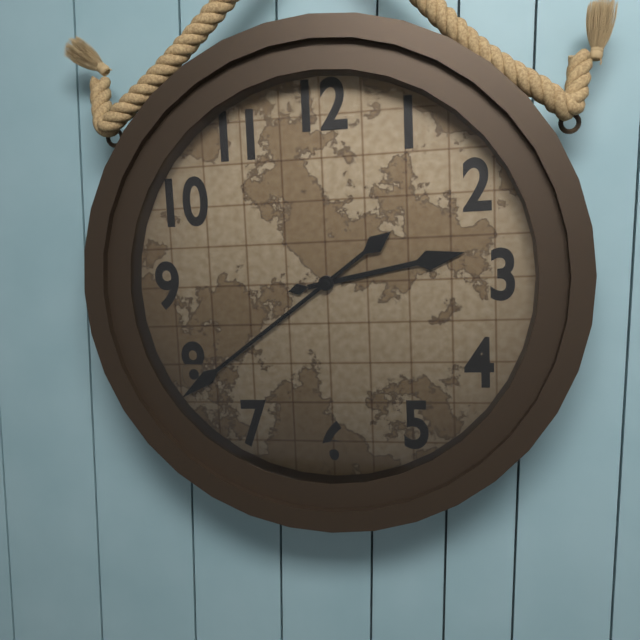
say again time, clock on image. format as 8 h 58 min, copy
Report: 2 h 39 min
